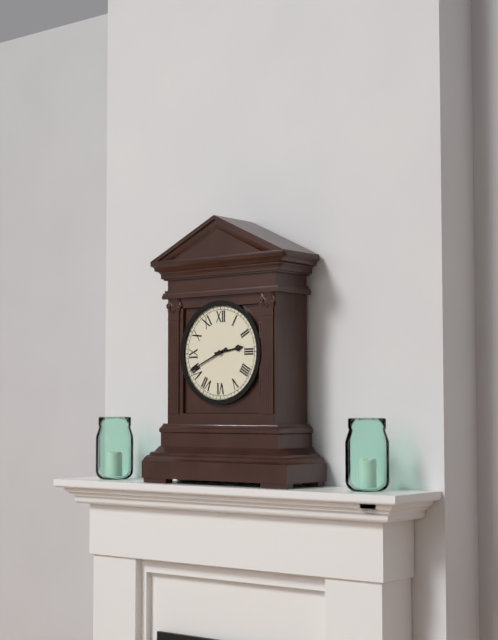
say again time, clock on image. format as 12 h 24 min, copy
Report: 2 h 41 min
